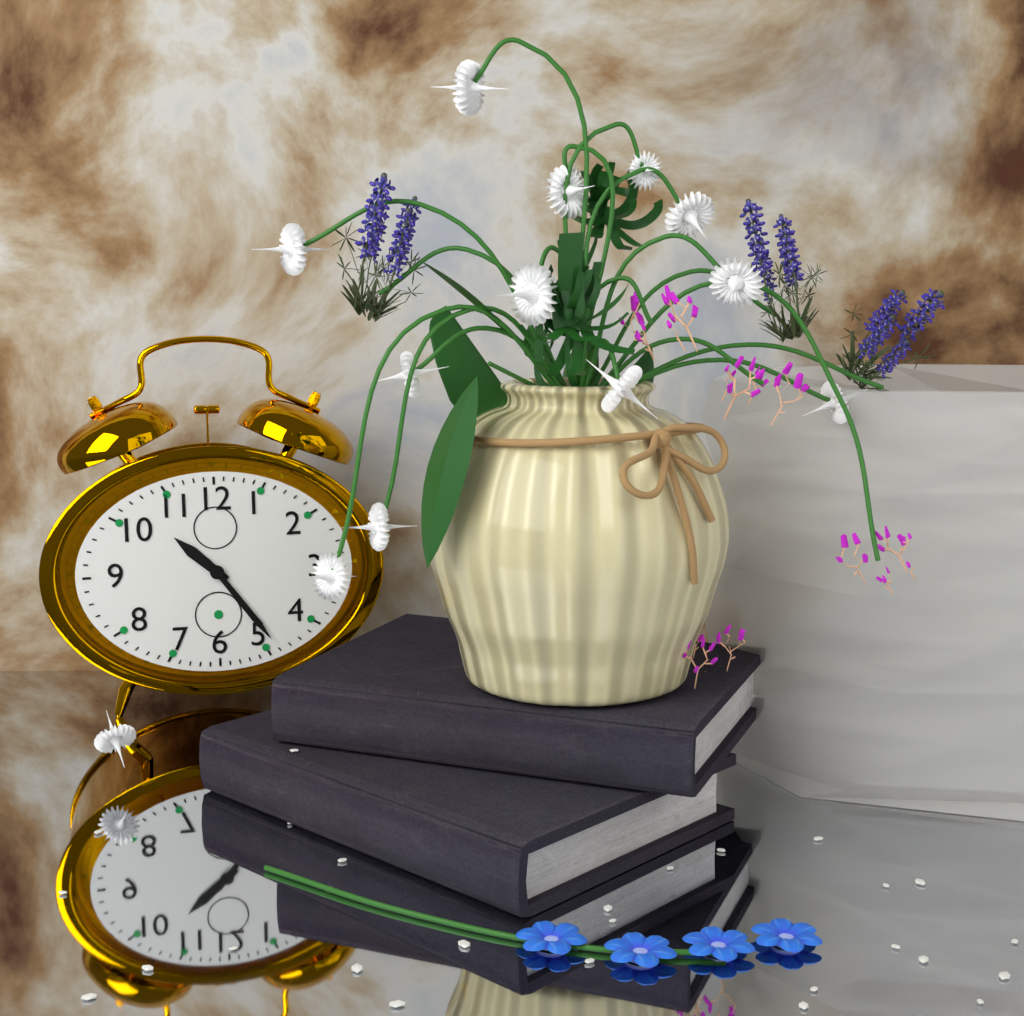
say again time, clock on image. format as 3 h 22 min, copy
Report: 10 h 24 min
